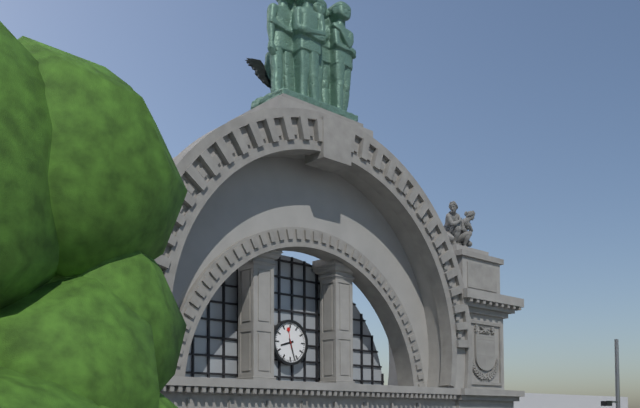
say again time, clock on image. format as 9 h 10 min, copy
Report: 8 h 27 min
